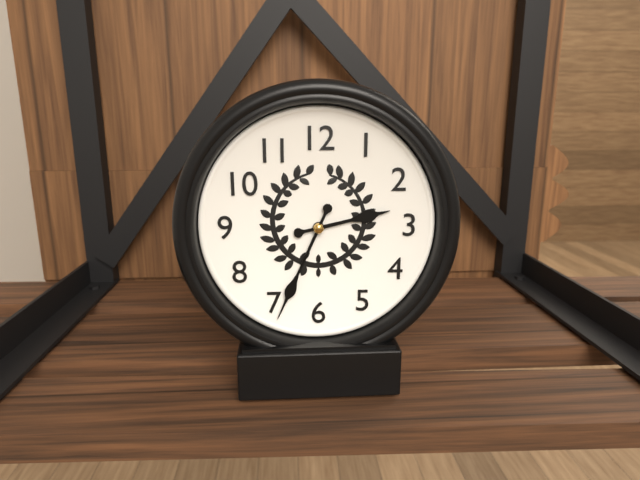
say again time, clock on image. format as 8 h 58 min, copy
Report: 2 h 34 min
